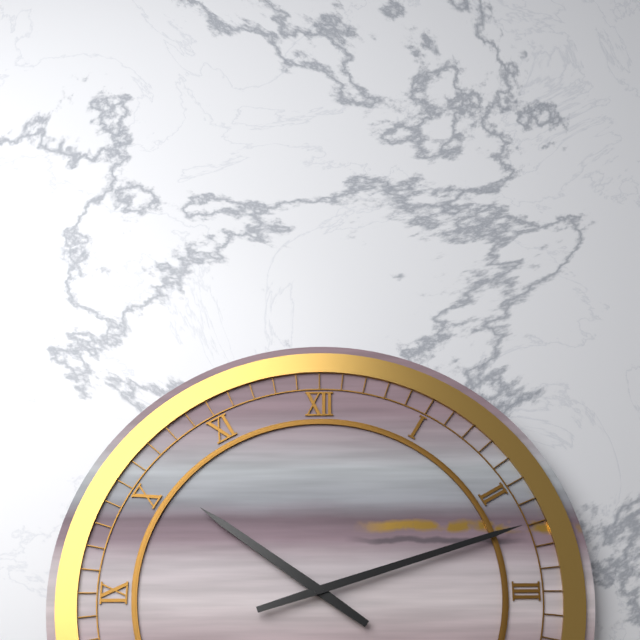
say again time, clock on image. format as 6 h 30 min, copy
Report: 10 h 12 min
